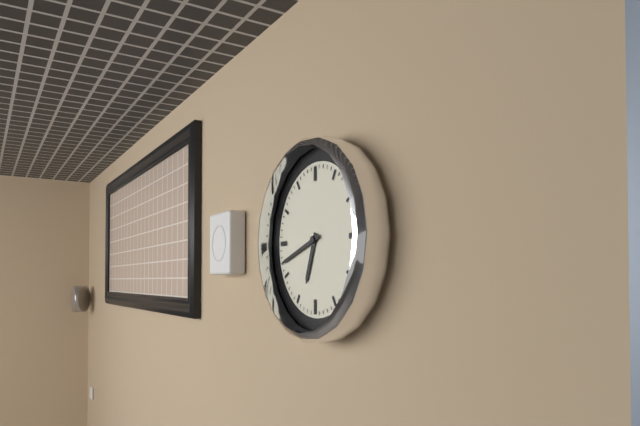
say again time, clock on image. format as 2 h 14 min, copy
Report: 6 h 42 min
